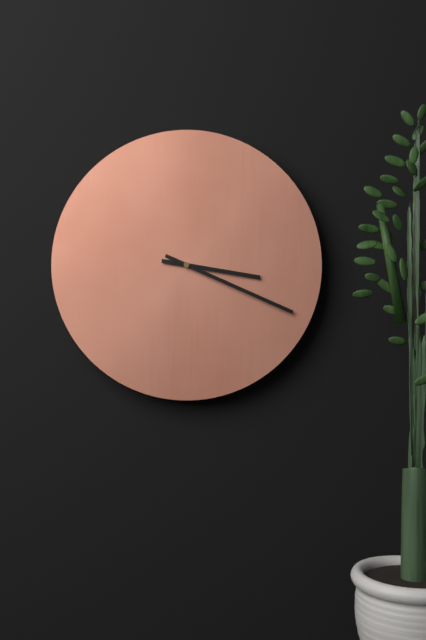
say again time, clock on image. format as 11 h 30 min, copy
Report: 3 h 19 min
